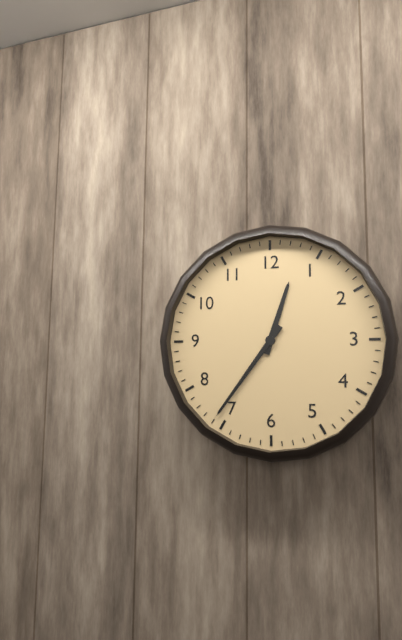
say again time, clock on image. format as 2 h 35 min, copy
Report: 12 h 36 min
